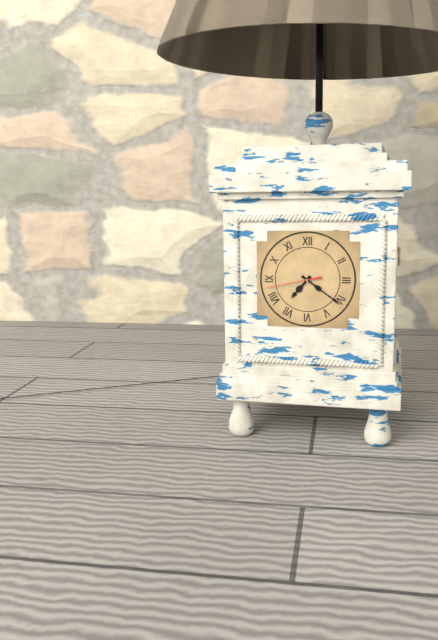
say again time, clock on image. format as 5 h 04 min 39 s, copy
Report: 7 h 21 min 43 s
